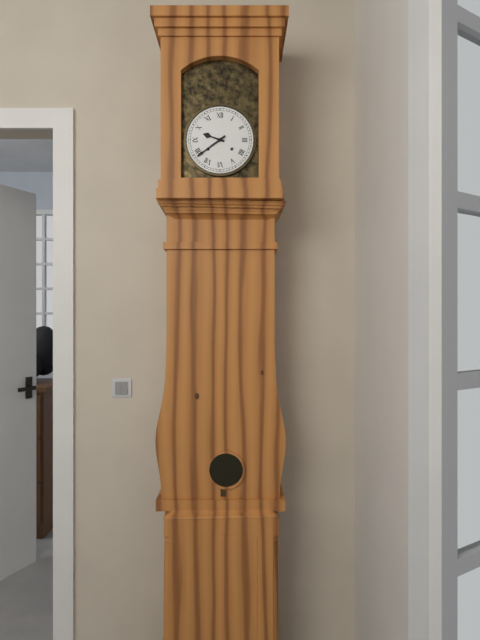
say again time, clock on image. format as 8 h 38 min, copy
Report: 9 h 39 min
